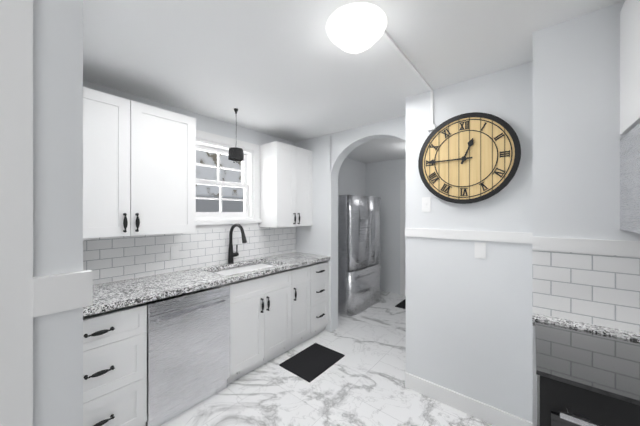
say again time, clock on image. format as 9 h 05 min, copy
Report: 12 h 45 min
